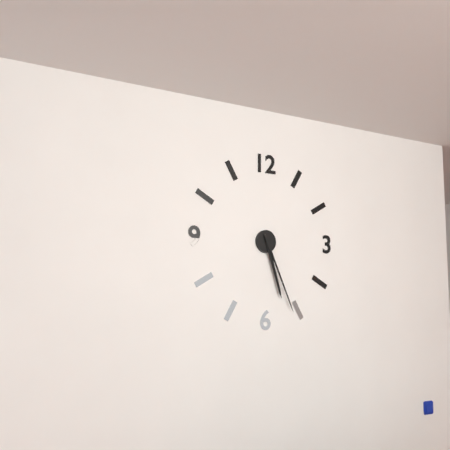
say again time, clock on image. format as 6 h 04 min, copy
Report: 5 h 26 min
